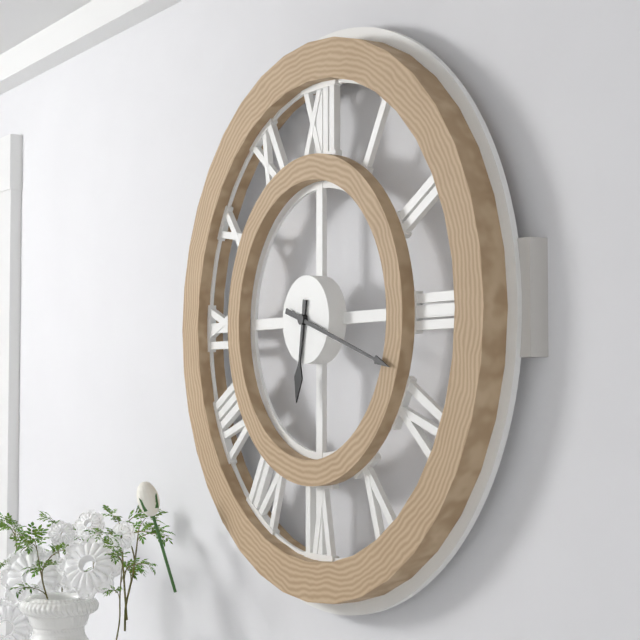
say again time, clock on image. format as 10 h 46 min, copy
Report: 6 h 18 min
